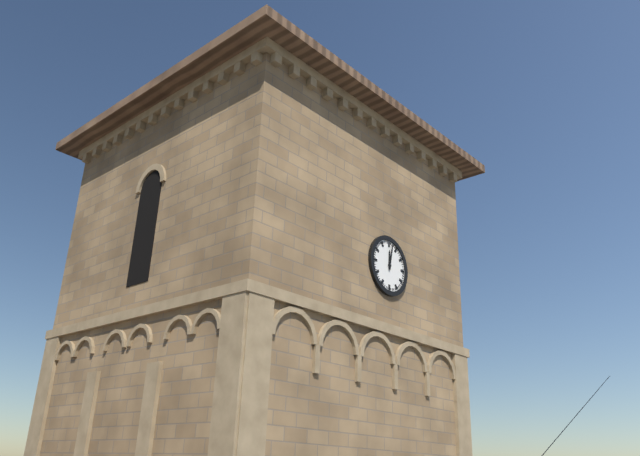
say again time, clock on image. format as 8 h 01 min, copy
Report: 12 h 02 min
